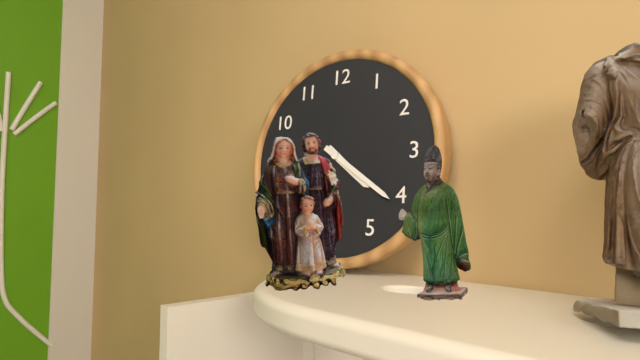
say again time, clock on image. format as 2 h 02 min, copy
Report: 4 h 21 min
